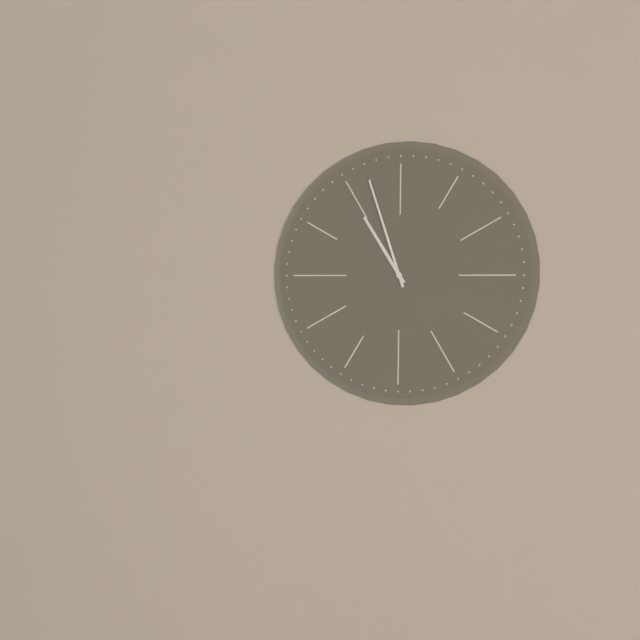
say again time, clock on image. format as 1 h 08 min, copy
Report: 10 h 57 min
